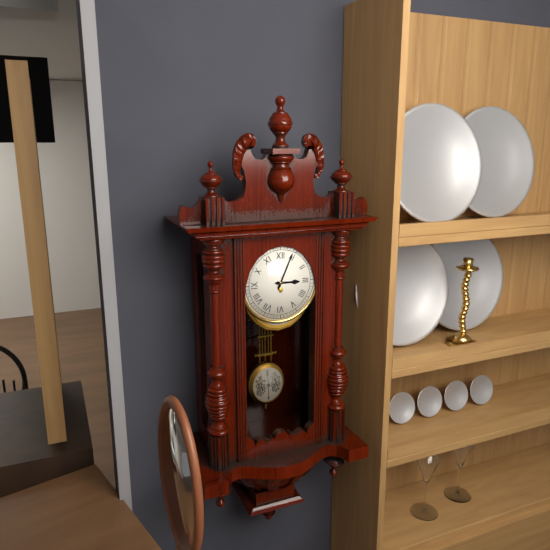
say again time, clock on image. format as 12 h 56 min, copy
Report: 3 h 04 min
